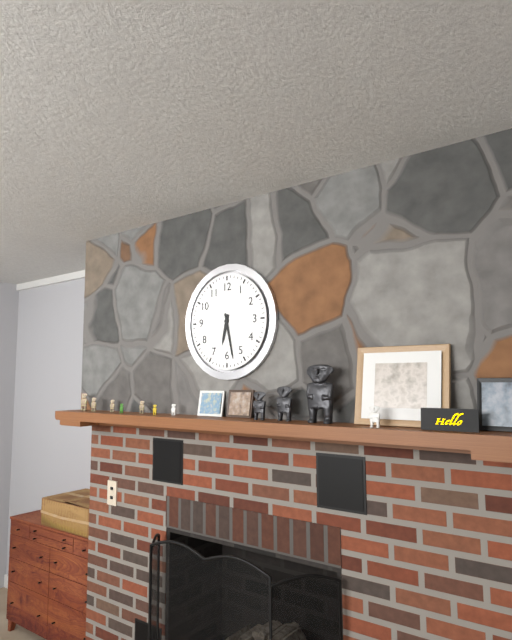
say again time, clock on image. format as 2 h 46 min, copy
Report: 6 h 28 min
